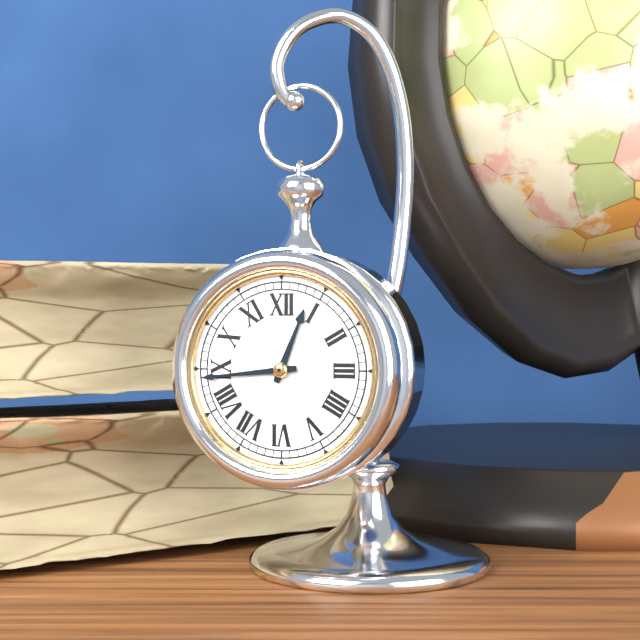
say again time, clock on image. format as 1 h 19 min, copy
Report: 12 h 44 min
